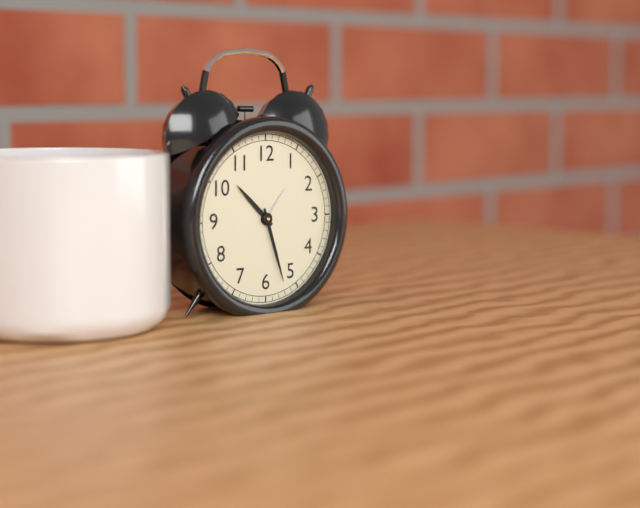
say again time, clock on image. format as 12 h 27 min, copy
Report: 10 h 27 min
